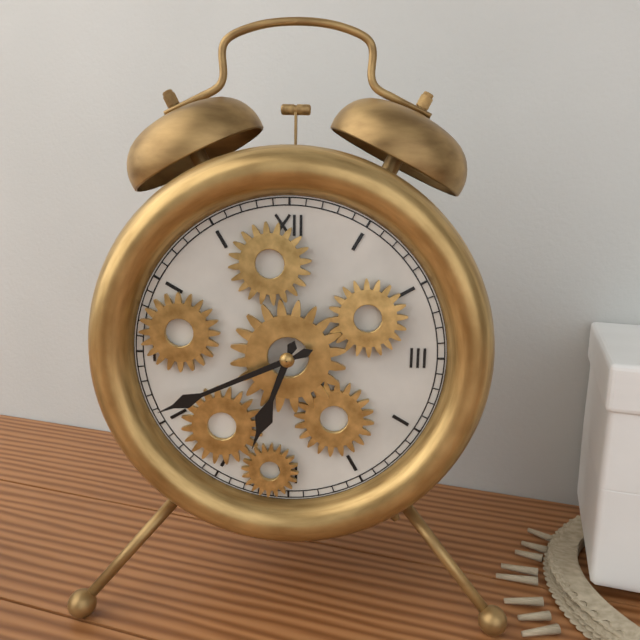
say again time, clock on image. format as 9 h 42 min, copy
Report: 6 h 41 min
